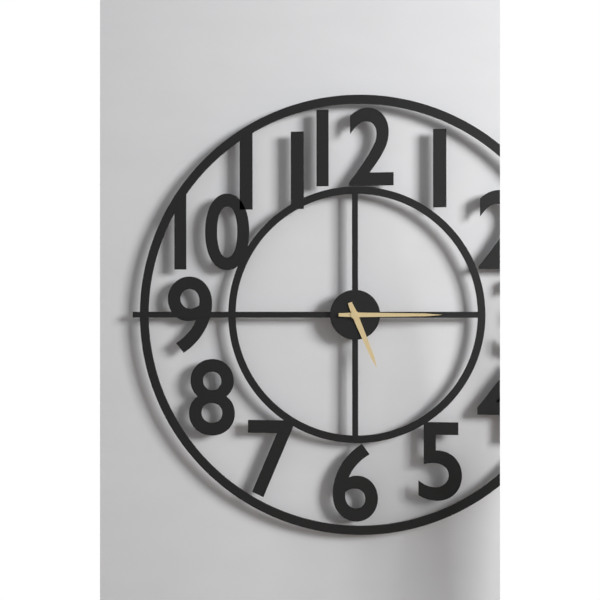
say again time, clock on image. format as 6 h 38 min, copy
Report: 5 h 15 min
